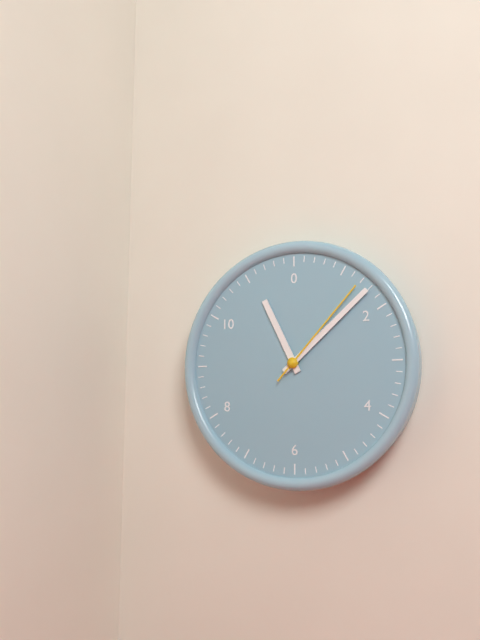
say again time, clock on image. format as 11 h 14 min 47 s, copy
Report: 11 h 08 min 07 s
